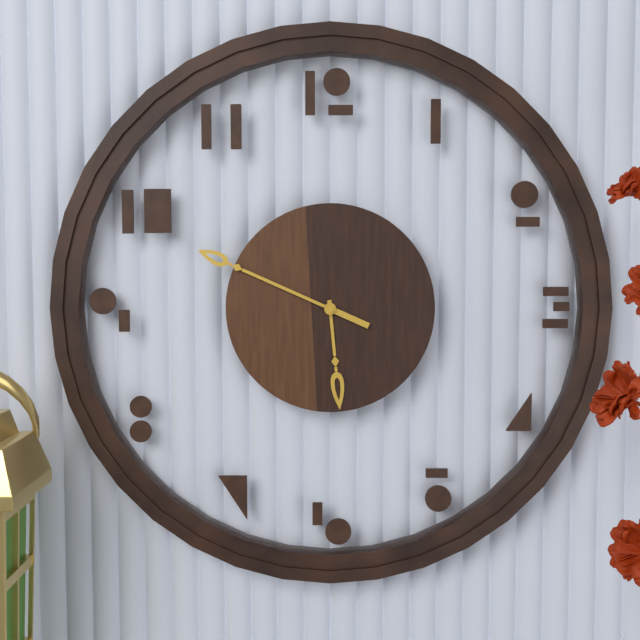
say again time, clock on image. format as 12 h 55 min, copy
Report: 5 h 49 min
